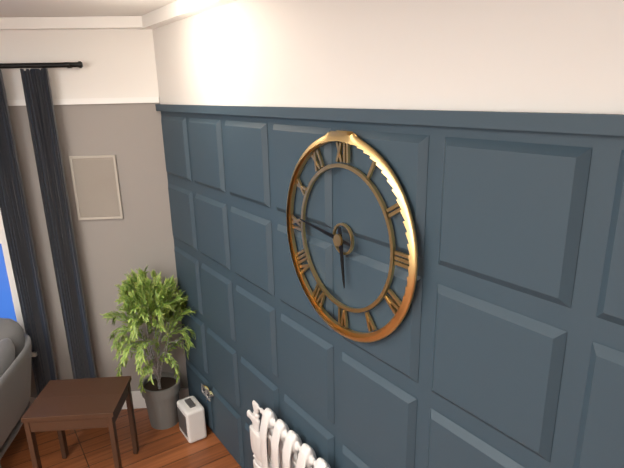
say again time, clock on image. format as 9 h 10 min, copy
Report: 5 h 46 min
